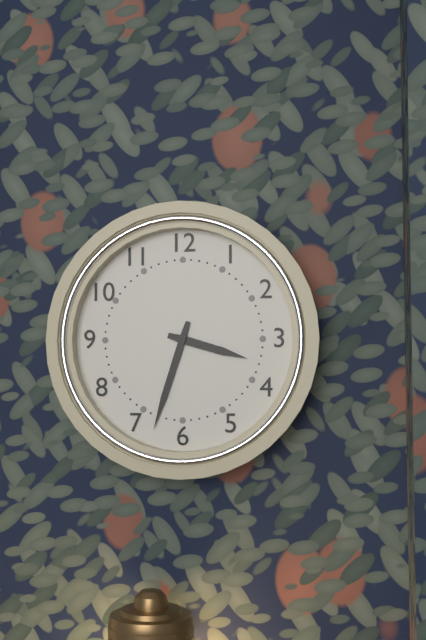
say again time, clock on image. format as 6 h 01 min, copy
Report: 3 h 33 min
